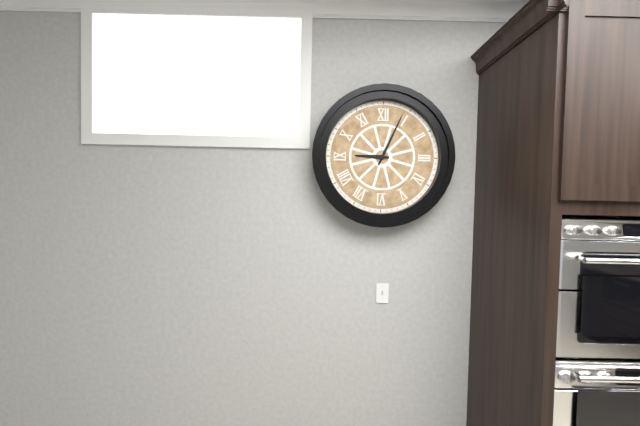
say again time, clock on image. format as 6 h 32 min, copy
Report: 9 h 04 min
